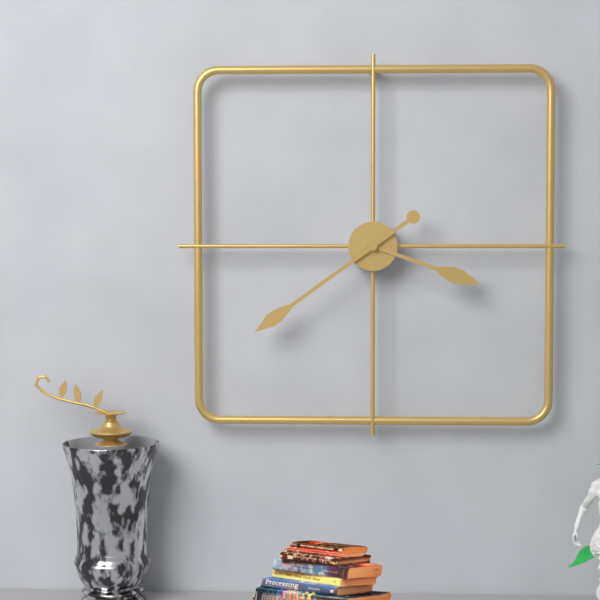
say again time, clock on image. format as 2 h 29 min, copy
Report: 3 h 39 min
